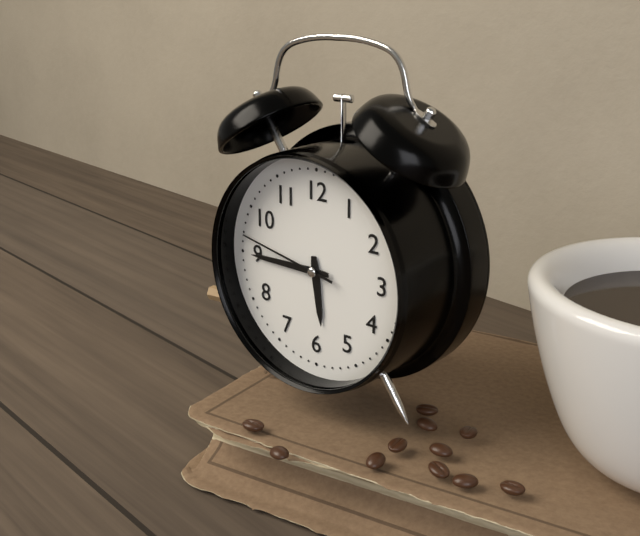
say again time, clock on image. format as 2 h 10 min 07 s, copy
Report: 5 h 45 min 47 s
